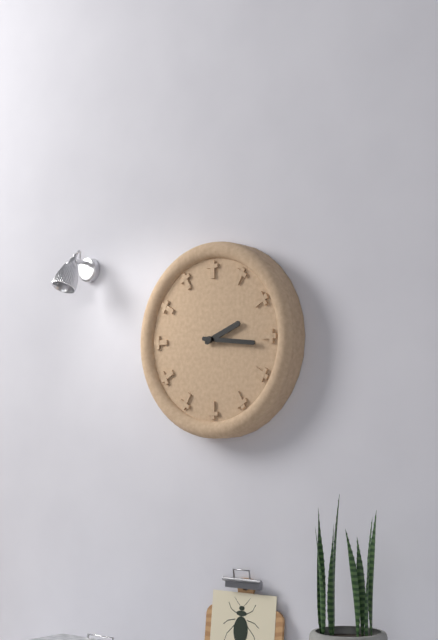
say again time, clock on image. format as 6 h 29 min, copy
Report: 2 h 16 min
